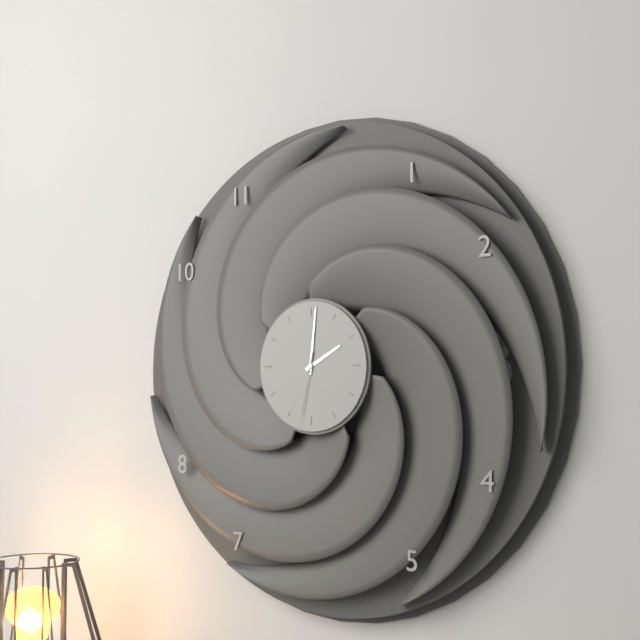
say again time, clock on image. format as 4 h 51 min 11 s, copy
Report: 2 h 01 min 32 s
